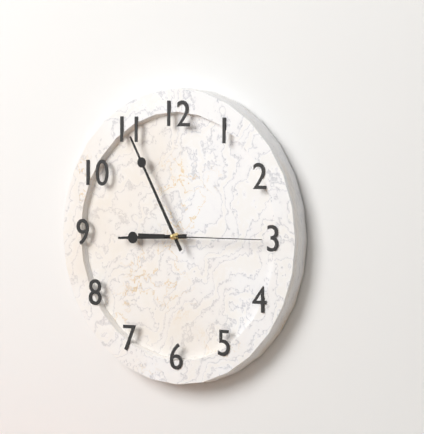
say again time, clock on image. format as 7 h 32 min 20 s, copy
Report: 8 h 55 min 15 s
